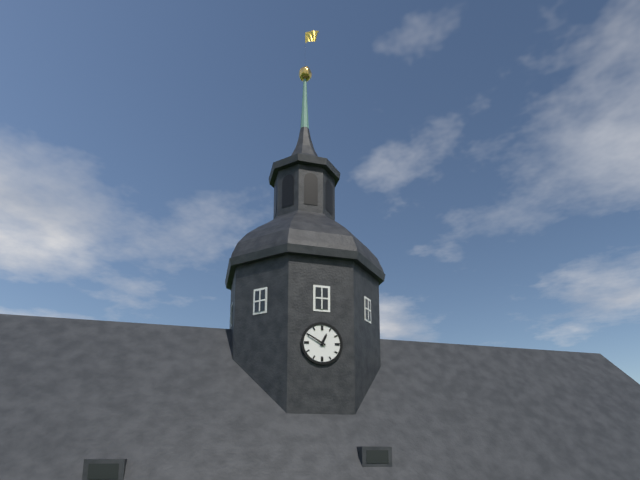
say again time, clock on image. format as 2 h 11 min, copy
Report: 12 h 50 min
